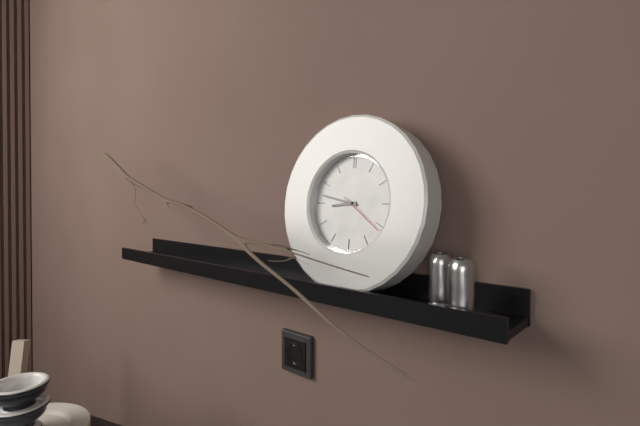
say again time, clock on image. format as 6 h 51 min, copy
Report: 8 h 47 min
